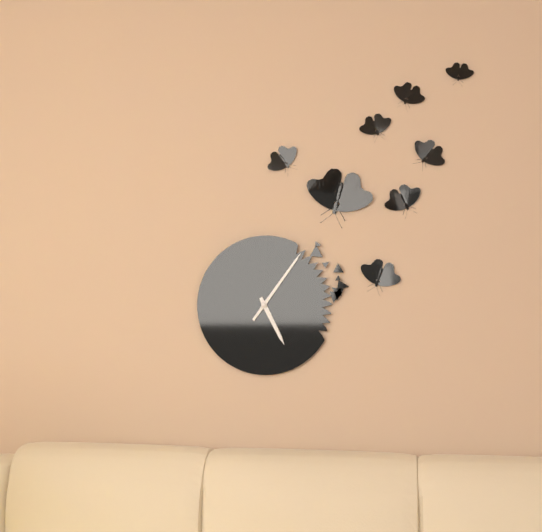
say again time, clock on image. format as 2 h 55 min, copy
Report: 5 h 06 min
